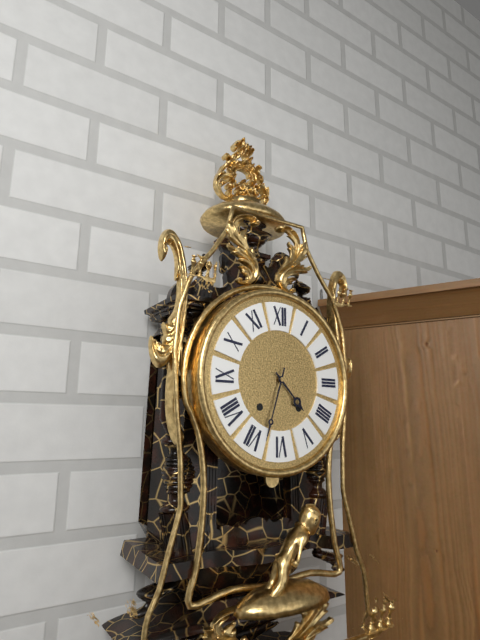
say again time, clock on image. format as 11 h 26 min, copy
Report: 4 h 33 min
